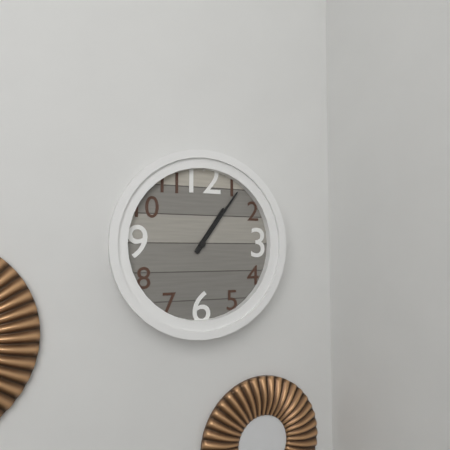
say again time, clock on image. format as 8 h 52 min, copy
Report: 1 h 06 min
